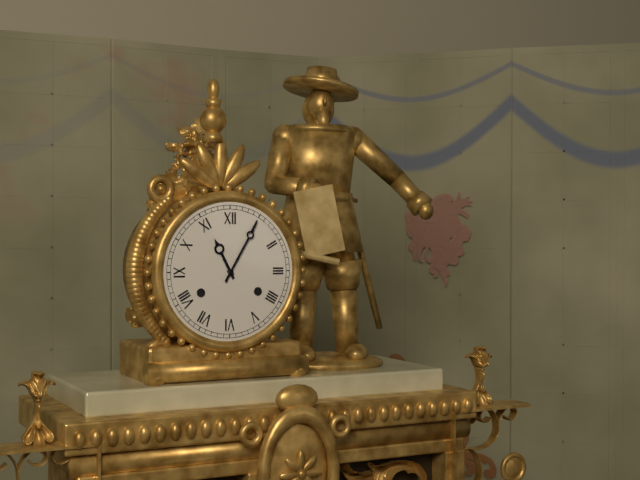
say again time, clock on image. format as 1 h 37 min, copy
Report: 11 h 05 min
